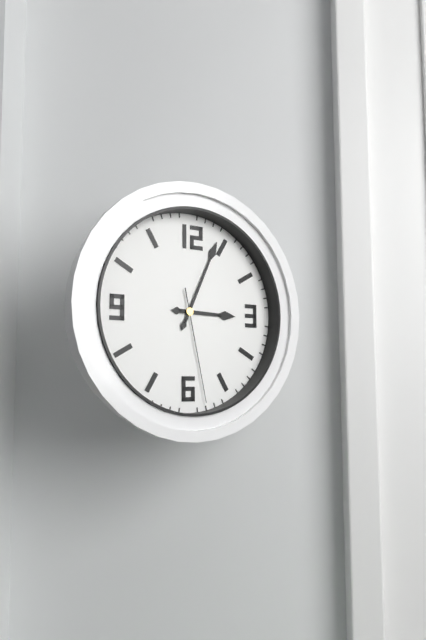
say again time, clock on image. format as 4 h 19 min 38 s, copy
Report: 3 h 04 min 28 s
